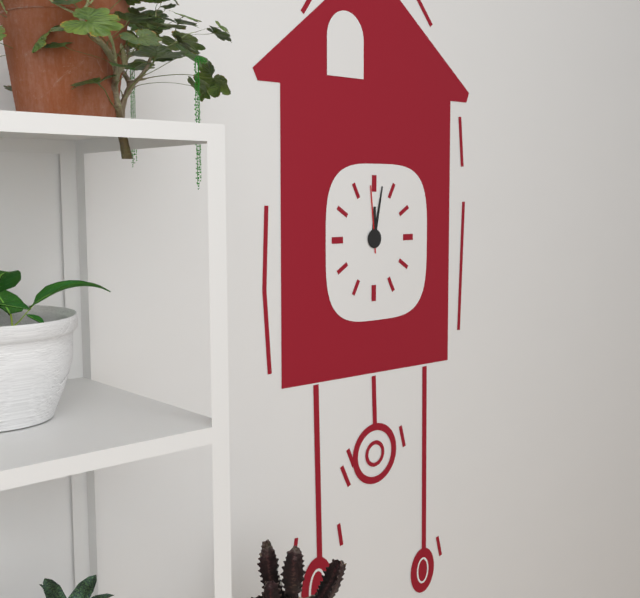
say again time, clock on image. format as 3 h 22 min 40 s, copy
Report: 12 h 02 min 59 s
